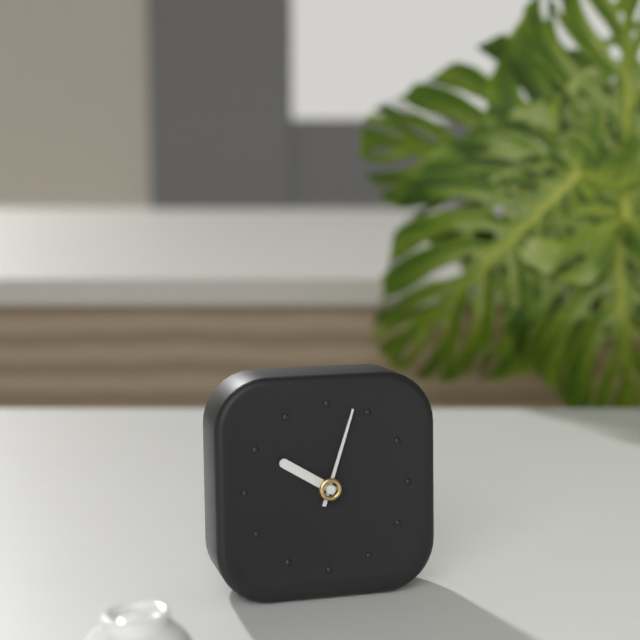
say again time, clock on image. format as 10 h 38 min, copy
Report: 10 h 03 min
